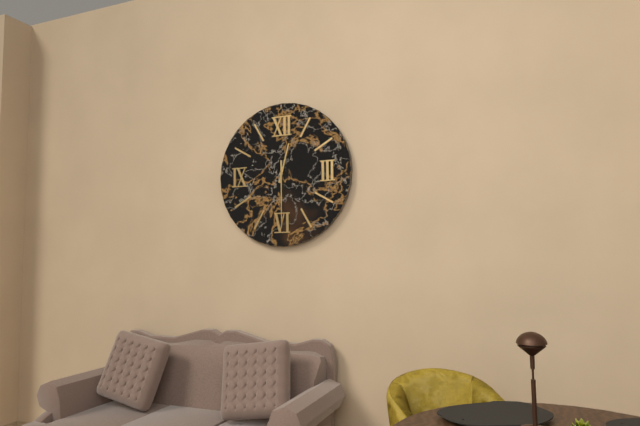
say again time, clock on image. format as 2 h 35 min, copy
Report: 12 h 30 min
